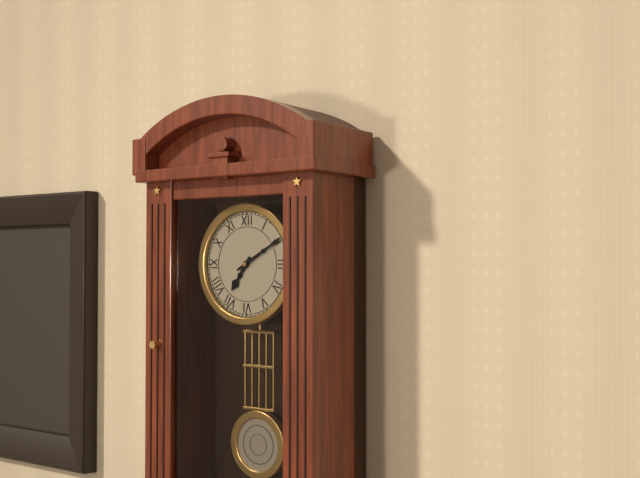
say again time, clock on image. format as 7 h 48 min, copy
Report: 7 h 10 min
